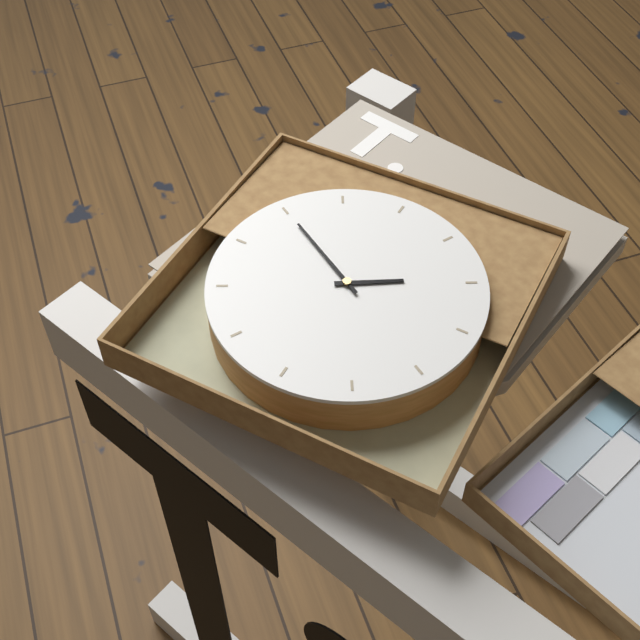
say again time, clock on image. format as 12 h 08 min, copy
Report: 2 h 55 min
